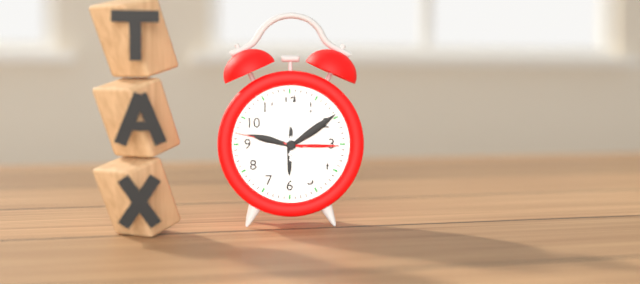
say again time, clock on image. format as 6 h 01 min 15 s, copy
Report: 6 h 01 min 47 s
